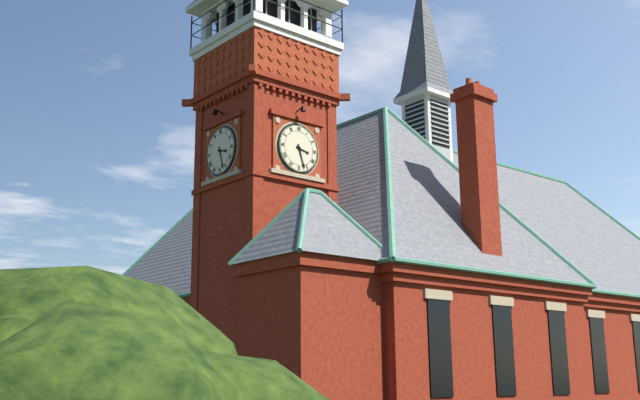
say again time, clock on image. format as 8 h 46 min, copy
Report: 3 h 27 min
